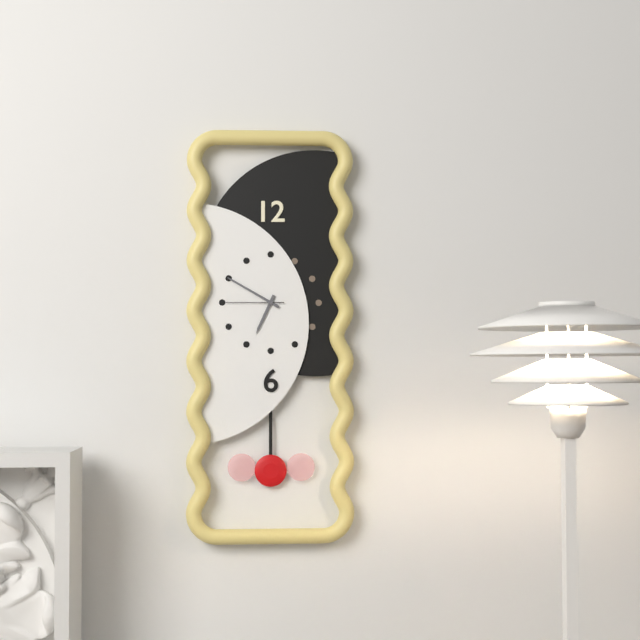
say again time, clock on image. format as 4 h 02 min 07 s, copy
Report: 6 h 50 min 45 s
